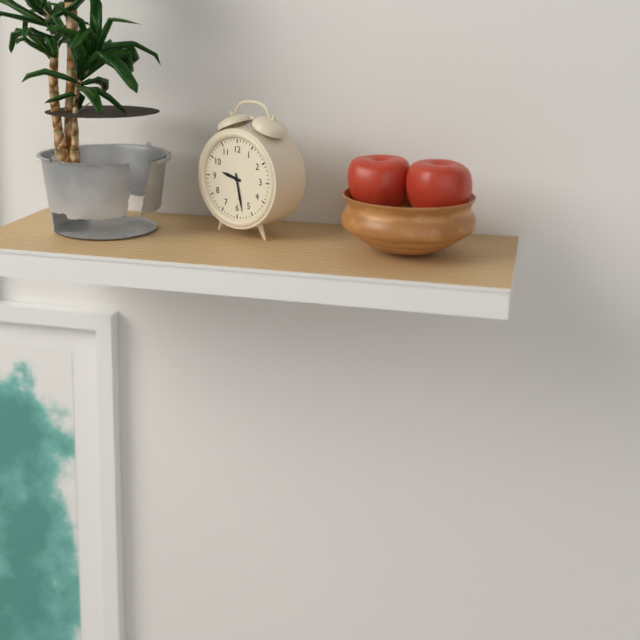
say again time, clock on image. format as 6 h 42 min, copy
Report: 9 h 28 min
